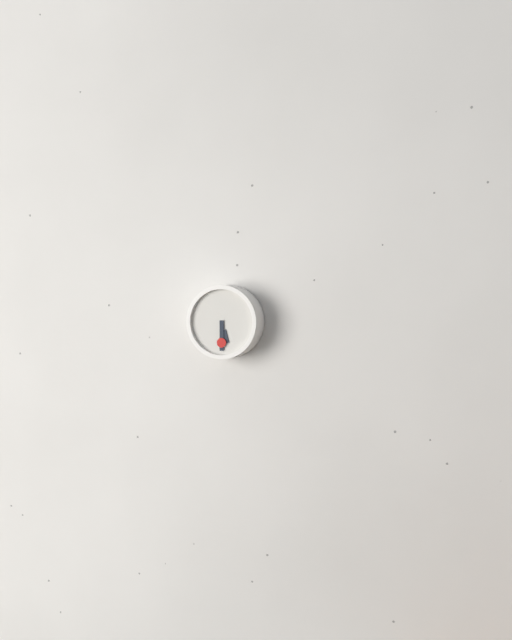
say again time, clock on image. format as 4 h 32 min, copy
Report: 5 h 30 min
